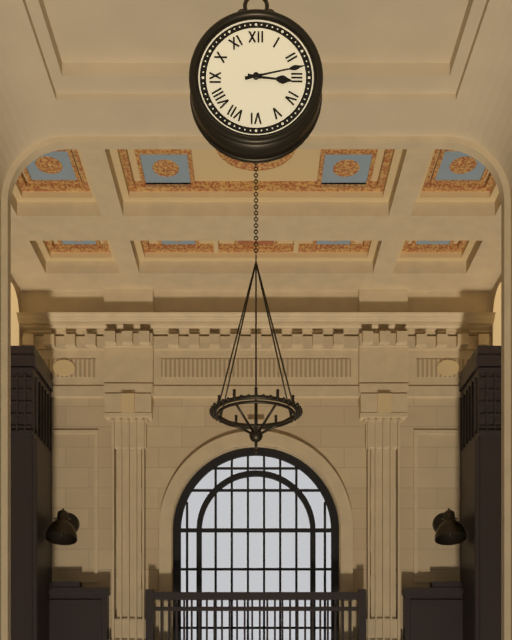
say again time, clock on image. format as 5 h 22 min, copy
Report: 3 h 13 min
